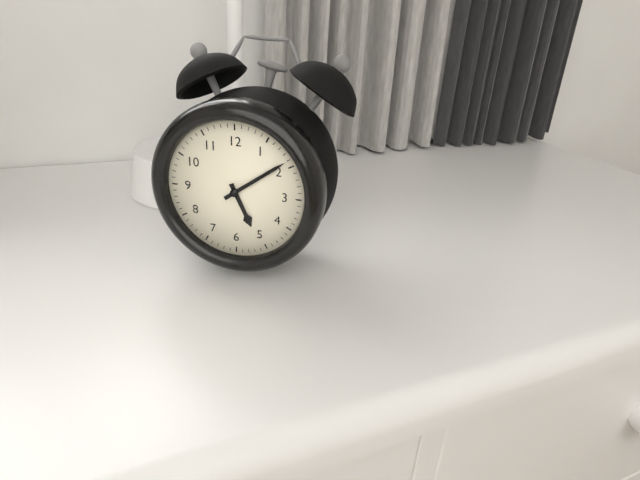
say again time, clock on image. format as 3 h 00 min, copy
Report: 5 h 09 min
